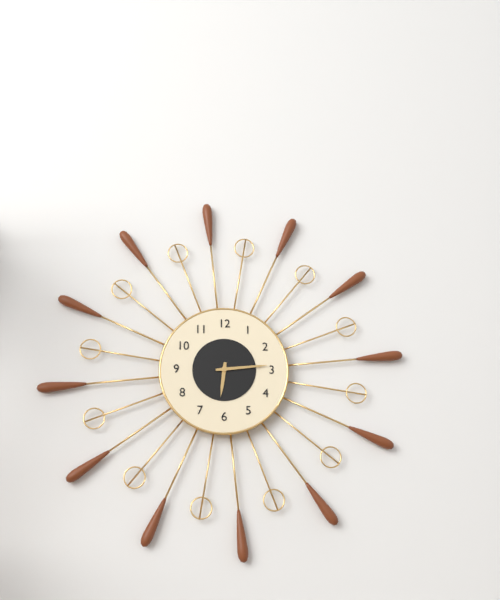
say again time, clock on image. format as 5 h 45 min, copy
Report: 6 h 14 min
